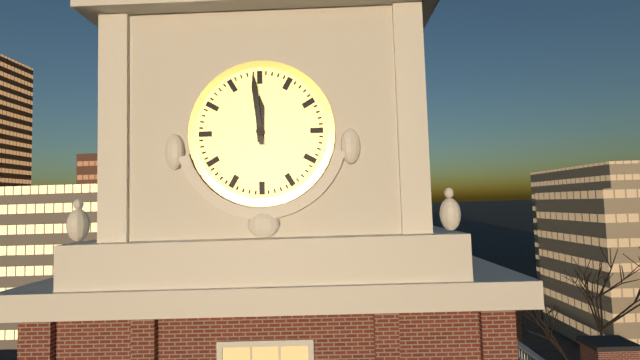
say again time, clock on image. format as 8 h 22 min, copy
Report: 11 h 59 min
